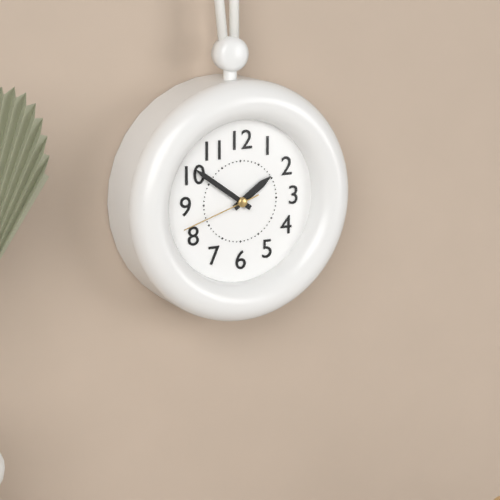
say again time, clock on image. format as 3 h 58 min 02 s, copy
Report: 1 h 51 min 42 s
